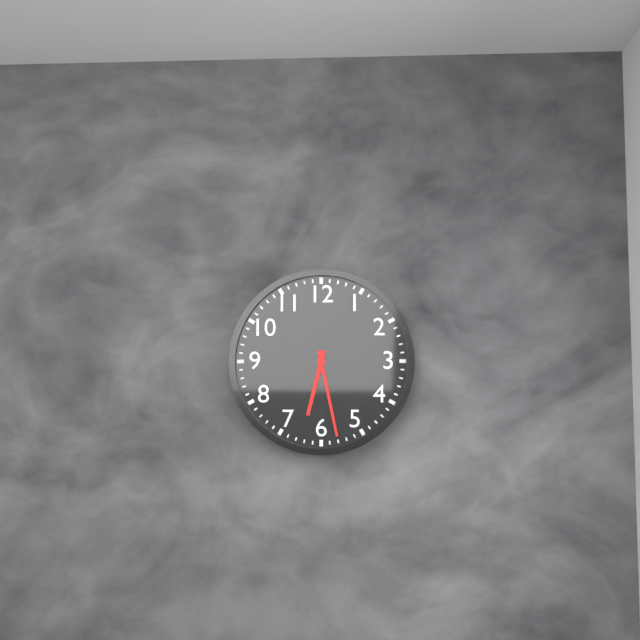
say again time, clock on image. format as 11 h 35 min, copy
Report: 6 h 28 min
